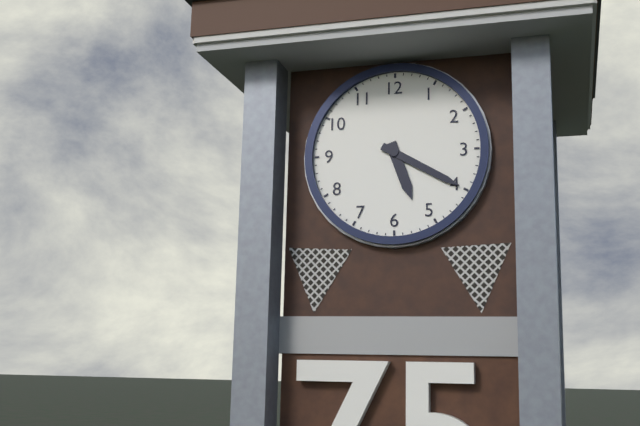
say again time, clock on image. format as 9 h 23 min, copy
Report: 5 h 20 min
